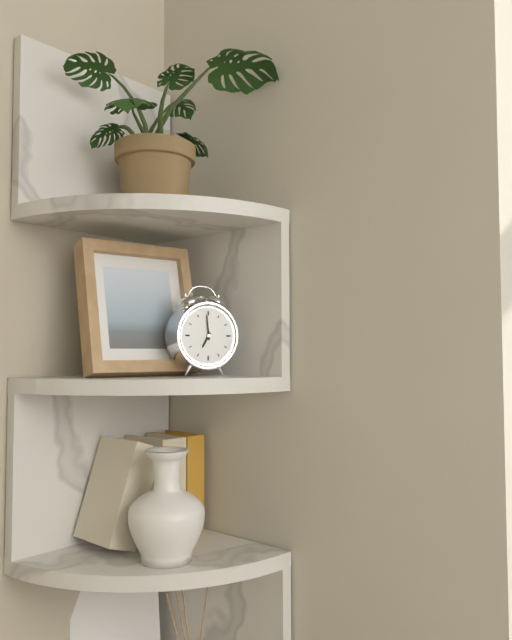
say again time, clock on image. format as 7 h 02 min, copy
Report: 6 h 59 min
